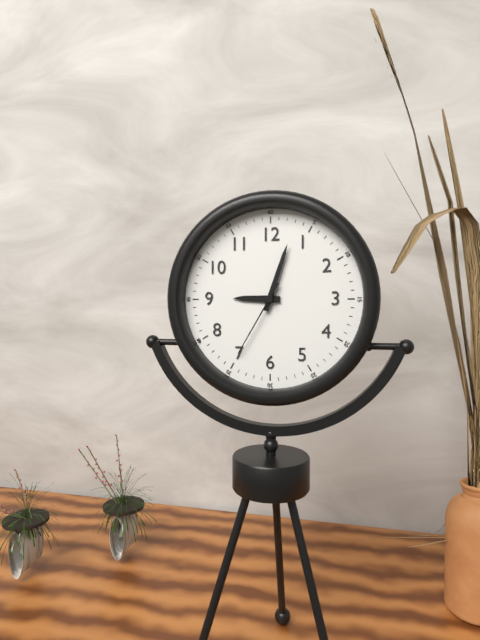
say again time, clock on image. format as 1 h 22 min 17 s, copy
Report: 9 h 03 min 35 s
